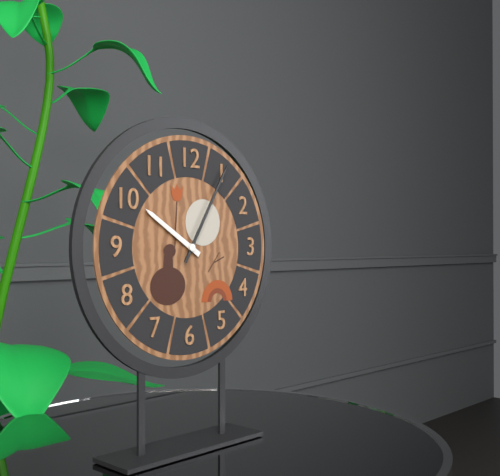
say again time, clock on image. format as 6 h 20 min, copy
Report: 10 h 05 min
